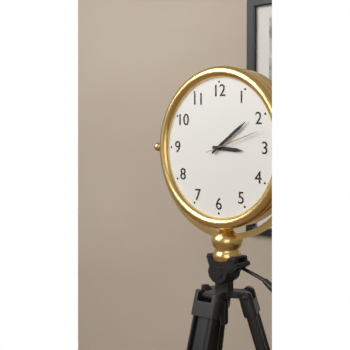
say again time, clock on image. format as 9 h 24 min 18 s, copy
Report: 3 h 09 min 12 s
